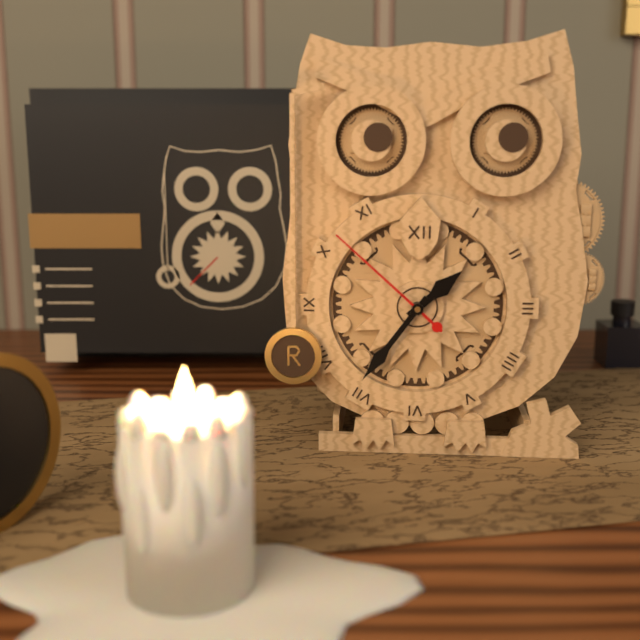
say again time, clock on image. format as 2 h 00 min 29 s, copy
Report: 1 h 36 min 52 s
